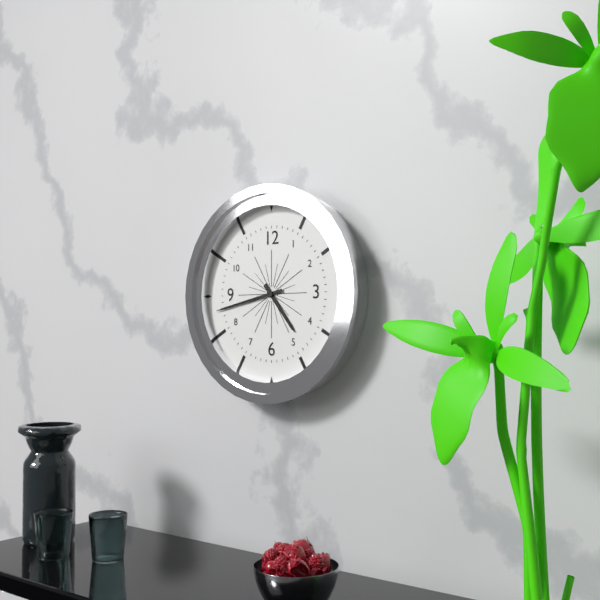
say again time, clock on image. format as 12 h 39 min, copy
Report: 4 h 43 min
